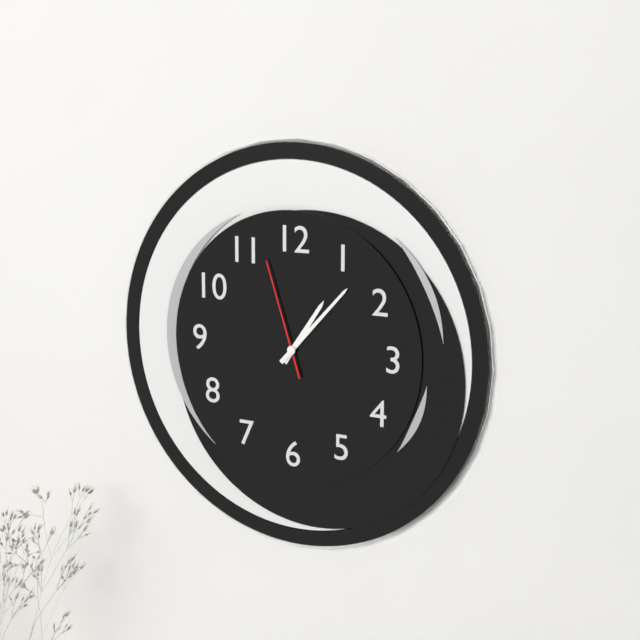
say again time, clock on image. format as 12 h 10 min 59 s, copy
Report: 1 h 07 min 57 s
